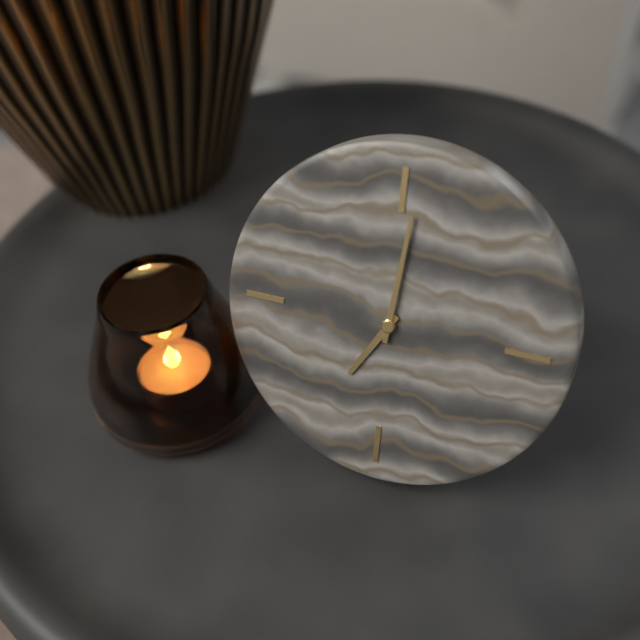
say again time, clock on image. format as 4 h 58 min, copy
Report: 7 h 01 min
